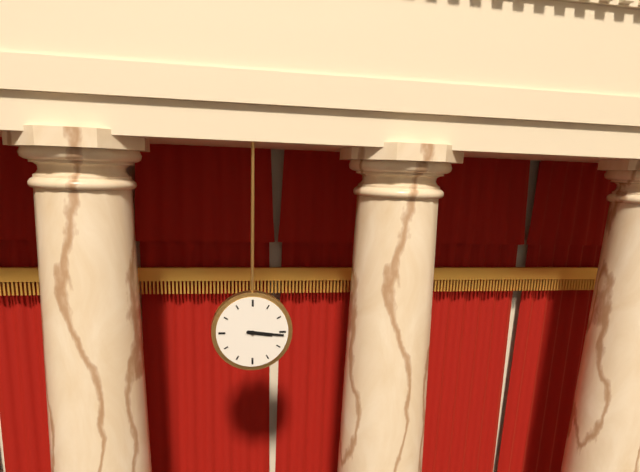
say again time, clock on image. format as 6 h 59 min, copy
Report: 3 h 16 min
